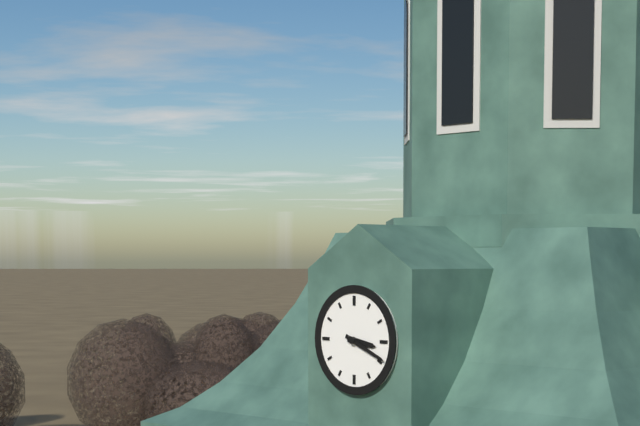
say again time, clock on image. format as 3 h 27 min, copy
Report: 3 h 19 min
